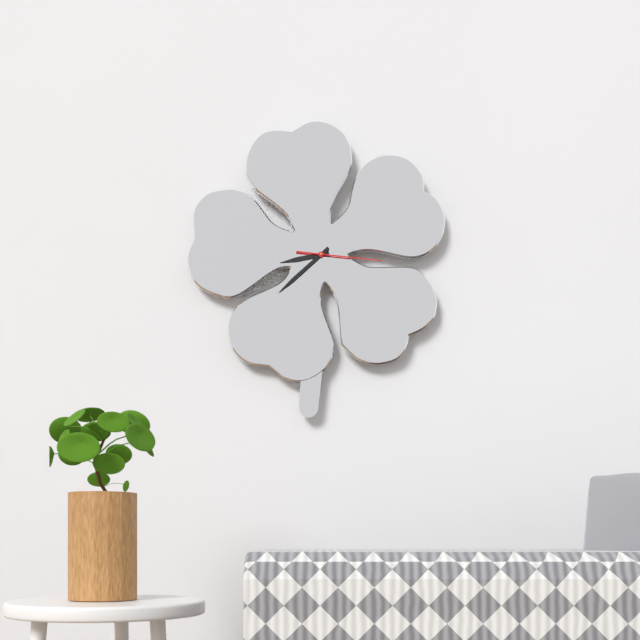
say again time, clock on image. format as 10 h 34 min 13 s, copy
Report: 8 h 38 min 16 s
